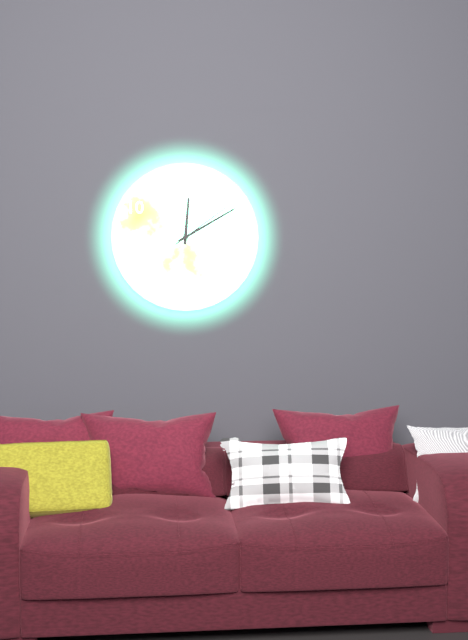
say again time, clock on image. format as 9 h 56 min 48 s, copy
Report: 12 h 10 min 09 s
